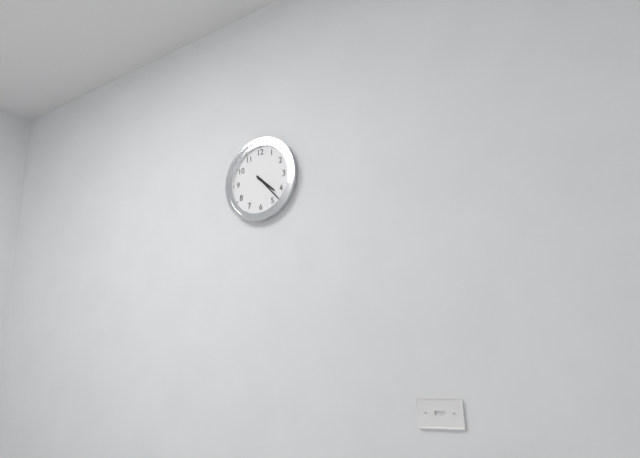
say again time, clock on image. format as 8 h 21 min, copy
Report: 4 h 23 min
